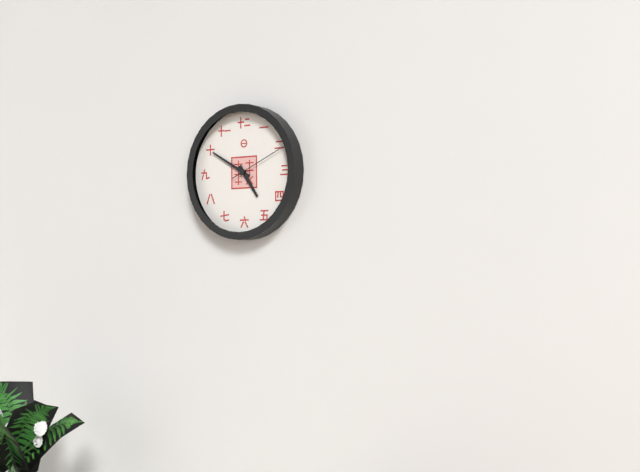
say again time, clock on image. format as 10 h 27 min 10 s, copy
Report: 4 h 50 min 11 s
